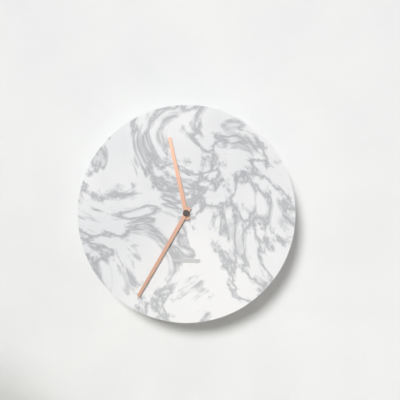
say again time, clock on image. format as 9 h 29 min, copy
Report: 11 h 35 min
